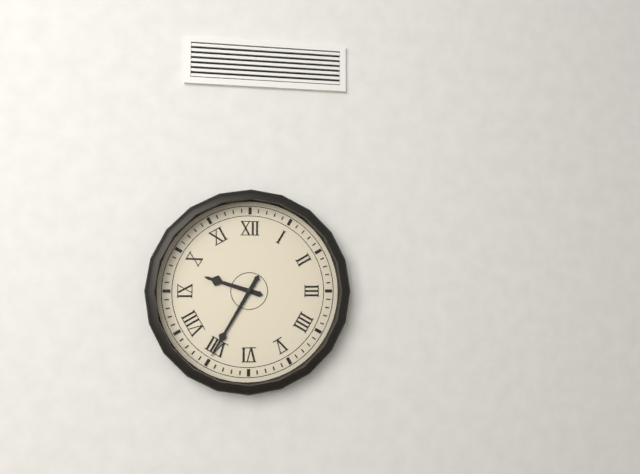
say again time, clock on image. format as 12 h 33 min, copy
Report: 9 h 35 min
